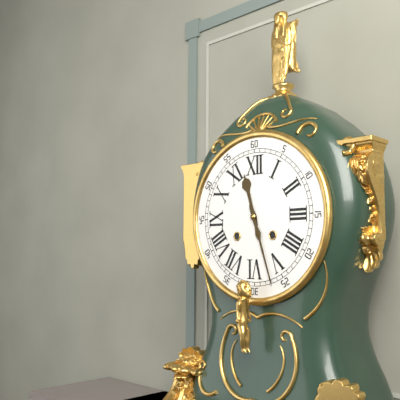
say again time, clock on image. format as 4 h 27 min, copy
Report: 11 h 27 min
